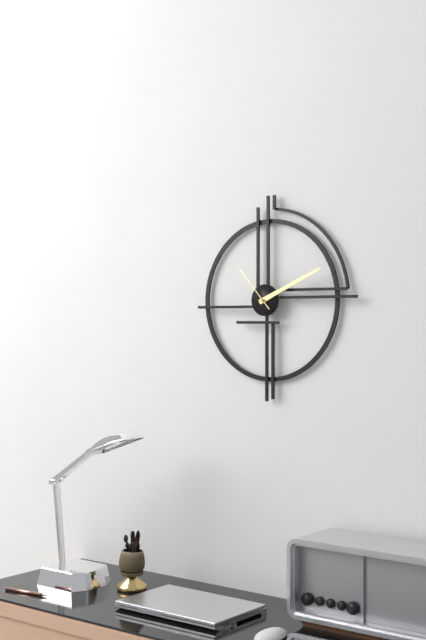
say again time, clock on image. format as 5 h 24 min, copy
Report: 2 h 11 min
